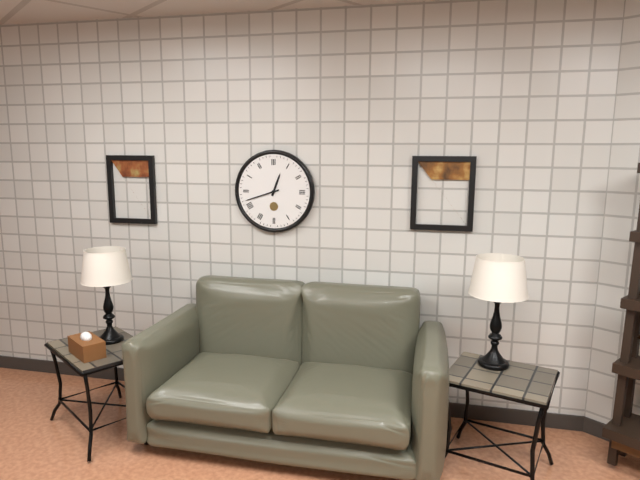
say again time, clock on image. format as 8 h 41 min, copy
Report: 12 h 42 min
